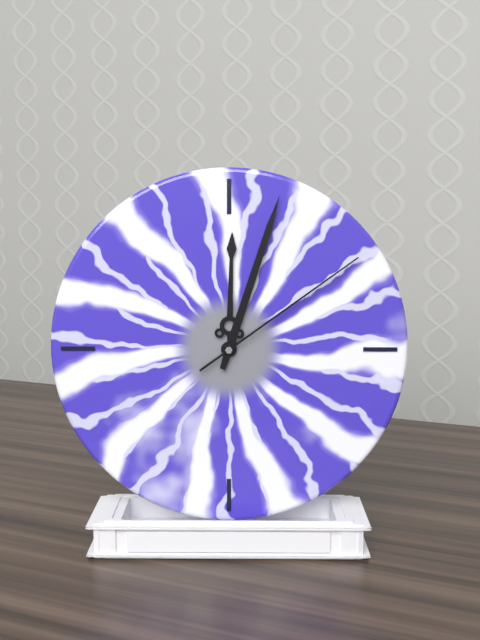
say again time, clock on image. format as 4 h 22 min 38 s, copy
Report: 12 h 03 min 09 s
